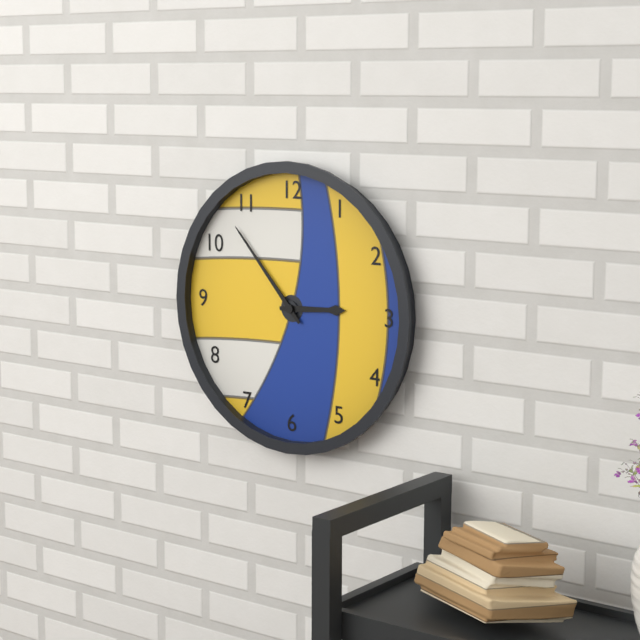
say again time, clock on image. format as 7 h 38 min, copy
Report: 2 h 53 min
